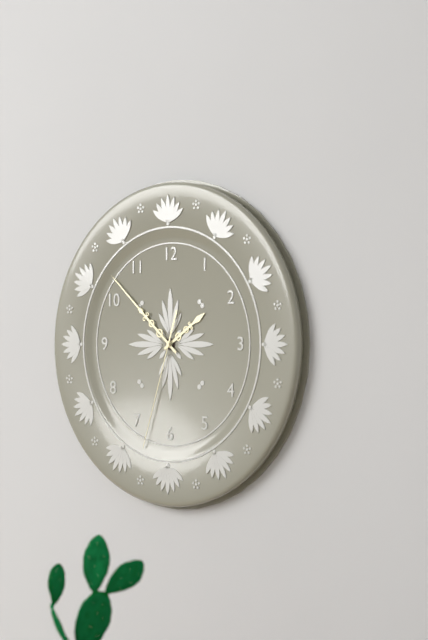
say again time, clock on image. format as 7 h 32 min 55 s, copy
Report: 1 h 52 min 33 s
